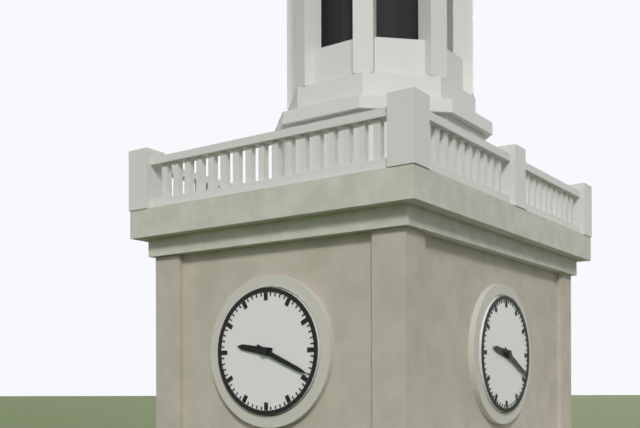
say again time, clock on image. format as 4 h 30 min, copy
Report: 9 h 19 min
